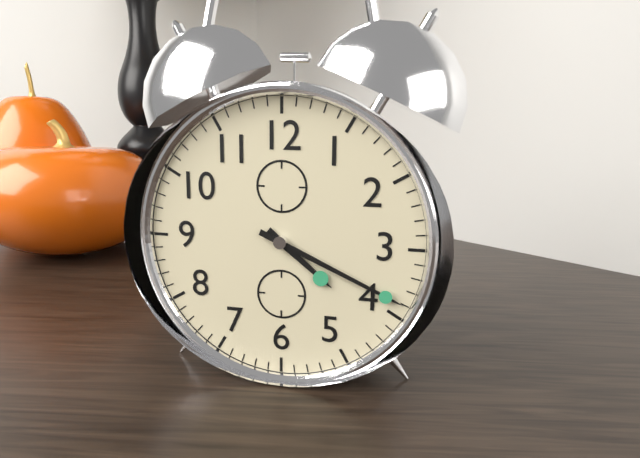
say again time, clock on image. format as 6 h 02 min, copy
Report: 4 h 19 min
